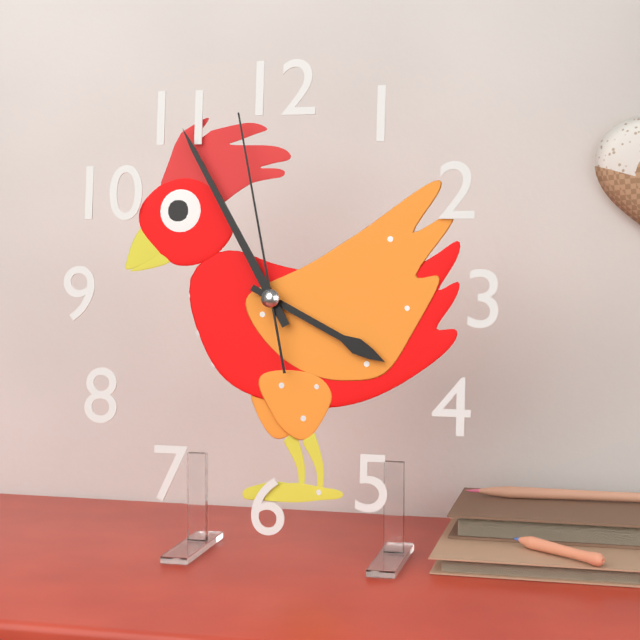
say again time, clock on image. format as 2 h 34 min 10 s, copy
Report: 3 h 55 min 58 s
